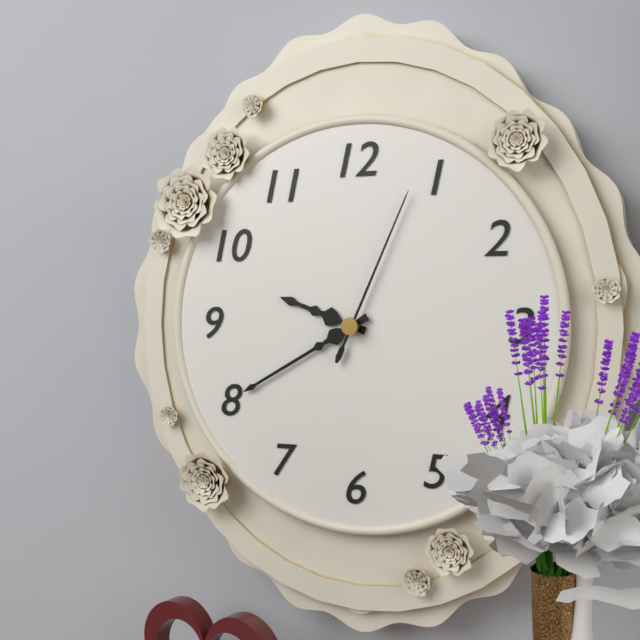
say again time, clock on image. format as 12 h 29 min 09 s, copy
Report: 9 h 40 min 04 s
